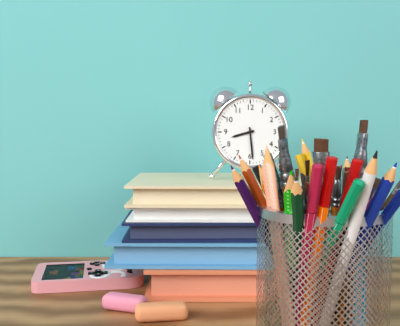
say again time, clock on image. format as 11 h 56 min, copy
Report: 8 h 29 min
